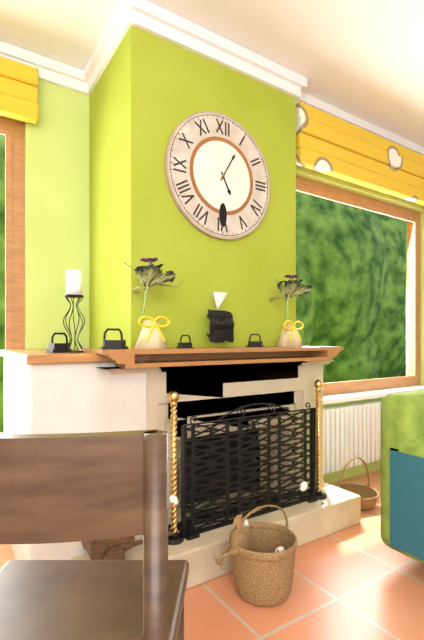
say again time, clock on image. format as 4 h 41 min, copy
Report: 5 h 05 min
